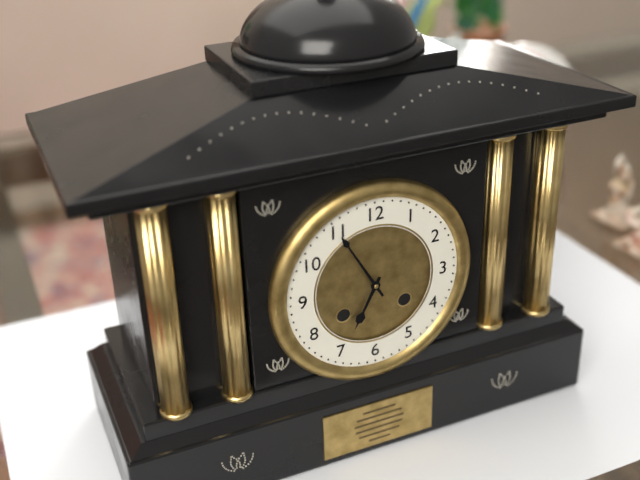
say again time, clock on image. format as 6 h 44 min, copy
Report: 6 h 55 min
